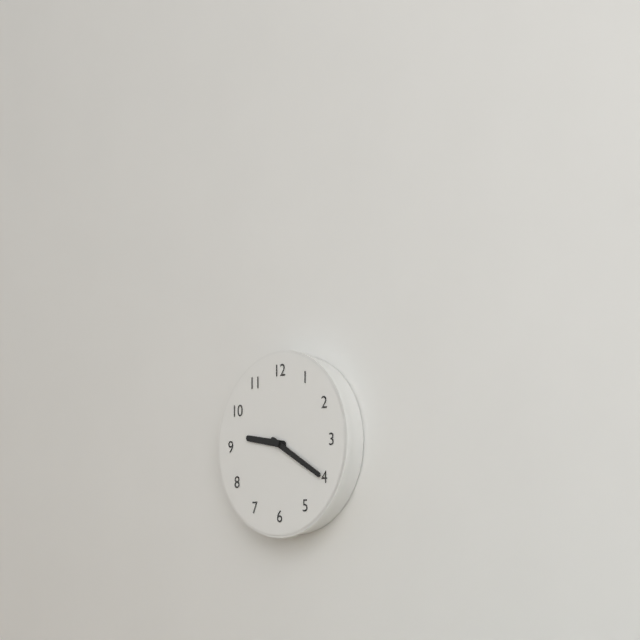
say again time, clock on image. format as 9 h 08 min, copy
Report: 9 h 20 min
